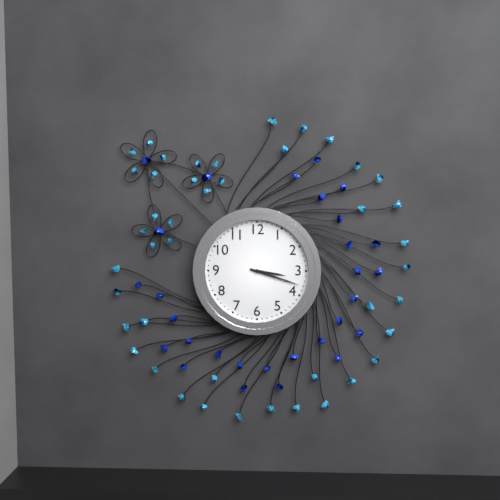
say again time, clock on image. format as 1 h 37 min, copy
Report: 3 h 18 min
